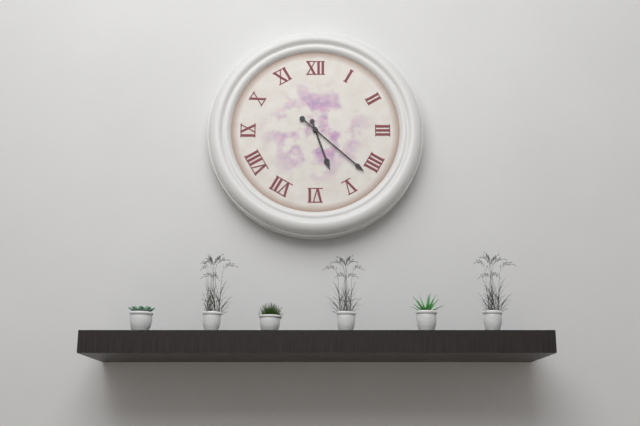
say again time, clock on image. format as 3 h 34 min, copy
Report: 5 h 22 min
